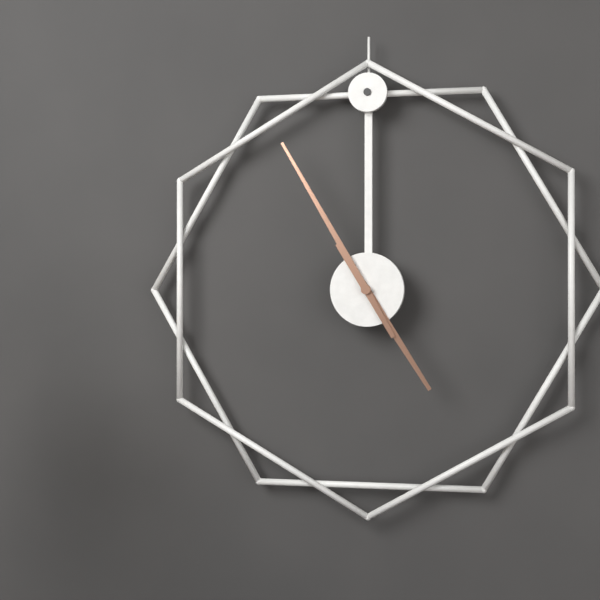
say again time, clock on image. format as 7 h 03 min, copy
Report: 4 h 55 min
